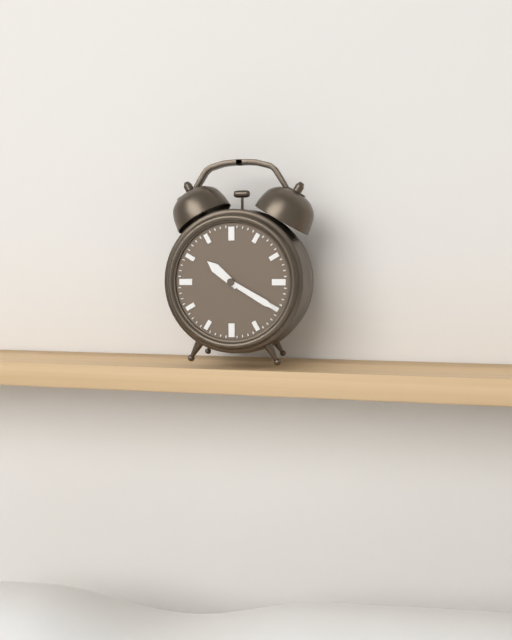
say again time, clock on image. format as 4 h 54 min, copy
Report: 10 h 20 min
